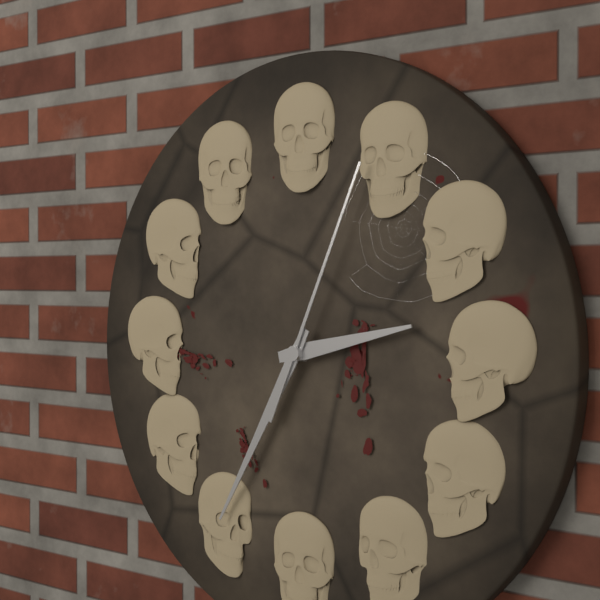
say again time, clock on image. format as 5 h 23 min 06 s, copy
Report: 2 h 35 min 04 s
